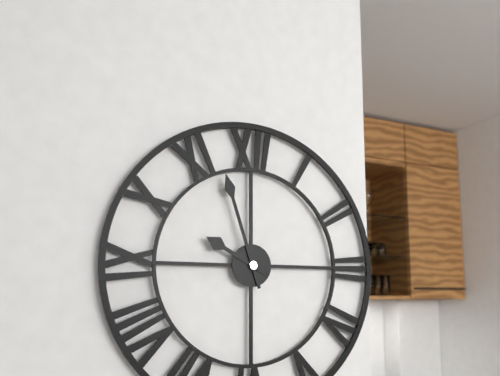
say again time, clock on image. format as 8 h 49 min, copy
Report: 9 h 57 min
